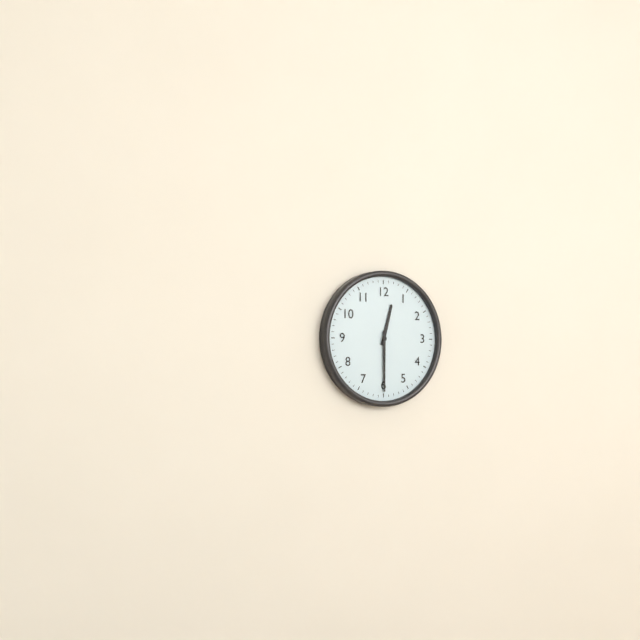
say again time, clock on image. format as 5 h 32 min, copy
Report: 12 h 30 min
